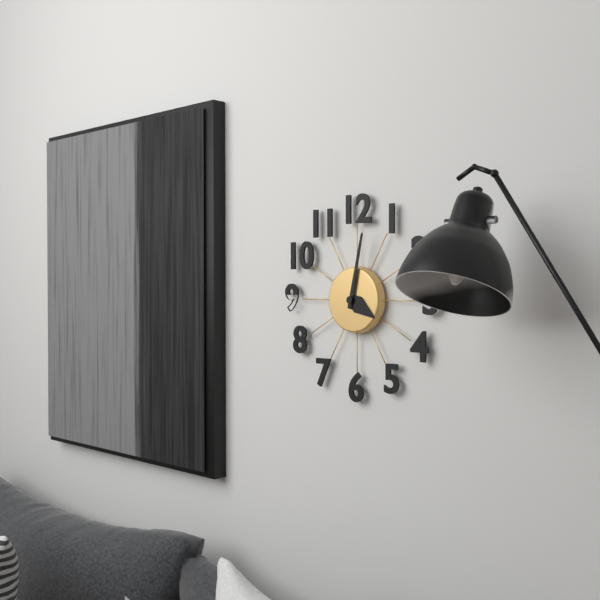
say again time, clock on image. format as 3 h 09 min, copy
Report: 4 h 02 min
